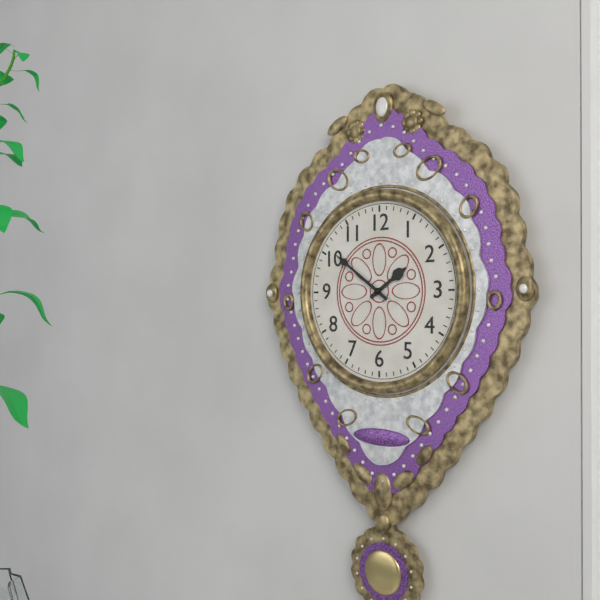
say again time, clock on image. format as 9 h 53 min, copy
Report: 1 h 51 min
